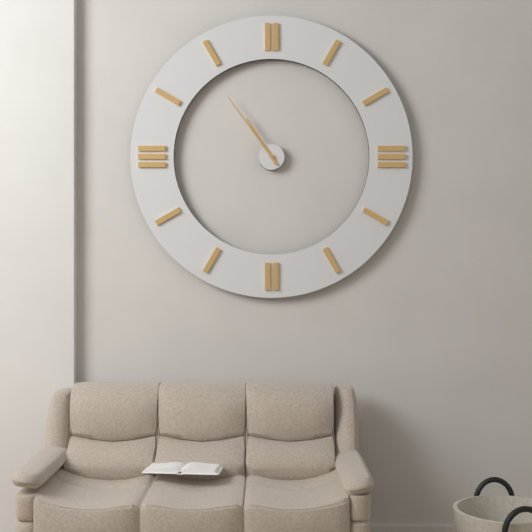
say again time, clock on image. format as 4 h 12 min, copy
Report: 10 h 54 min
